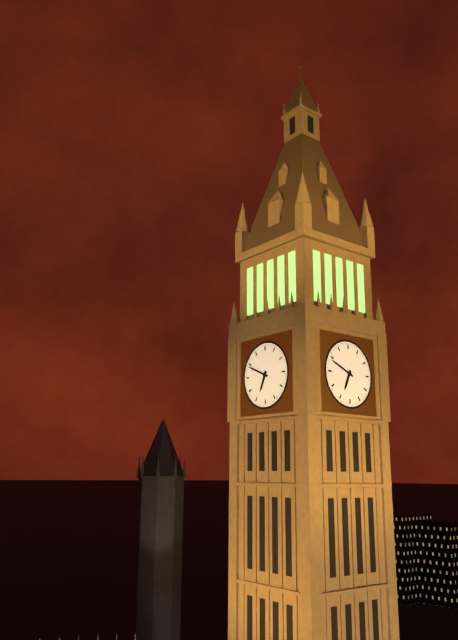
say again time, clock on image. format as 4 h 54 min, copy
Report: 6 h 49 min
